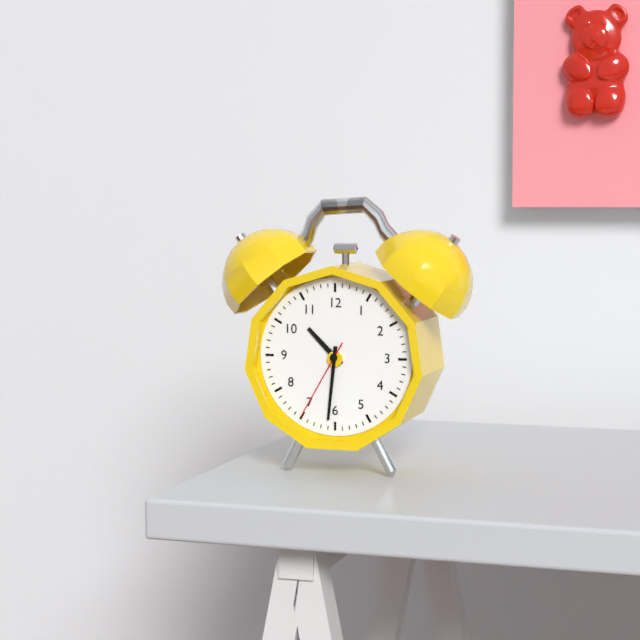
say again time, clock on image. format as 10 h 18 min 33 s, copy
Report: 10 h 31 min 35 s
